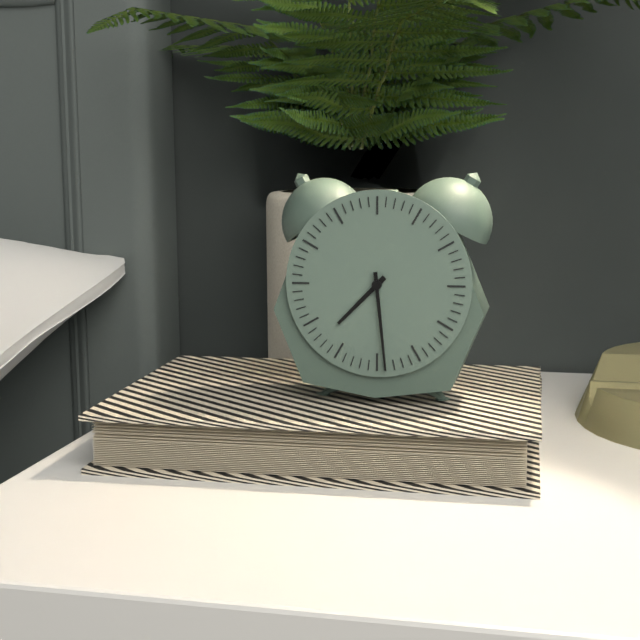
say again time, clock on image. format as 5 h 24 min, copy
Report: 7 h 29 min
